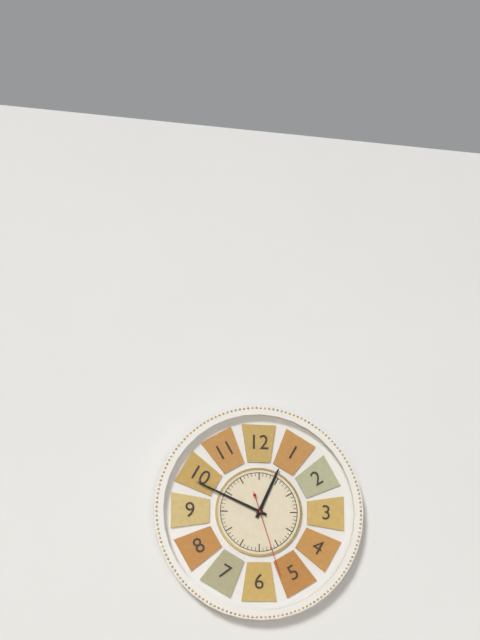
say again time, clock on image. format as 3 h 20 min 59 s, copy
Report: 12 h 49 min 27 s
